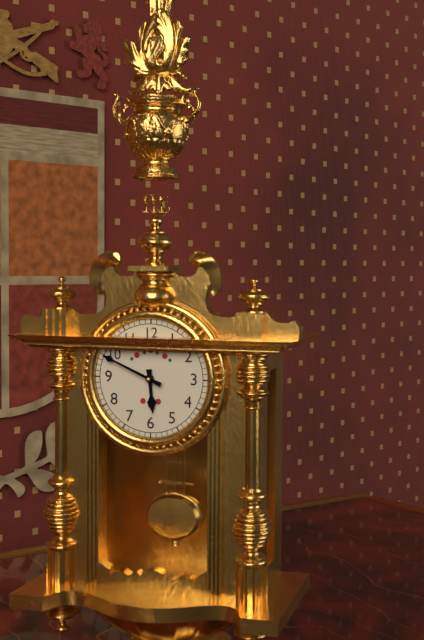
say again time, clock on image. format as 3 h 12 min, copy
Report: 5 h 49 min
